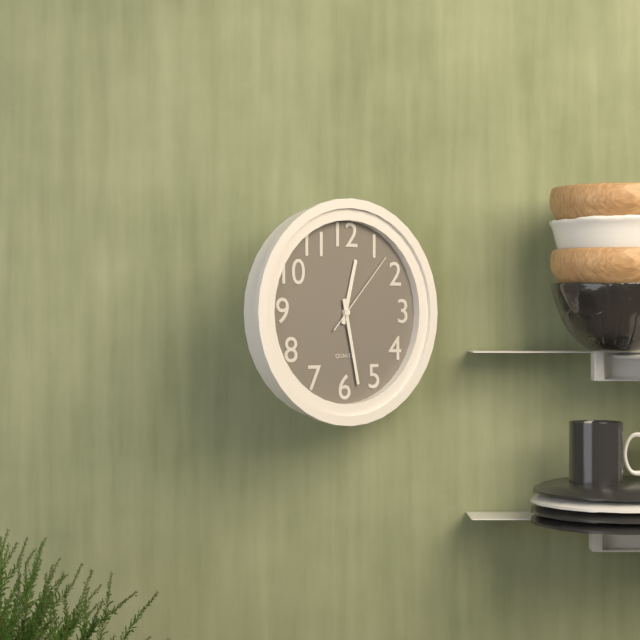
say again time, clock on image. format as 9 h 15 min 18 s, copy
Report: 12 h 28 min 07 s
